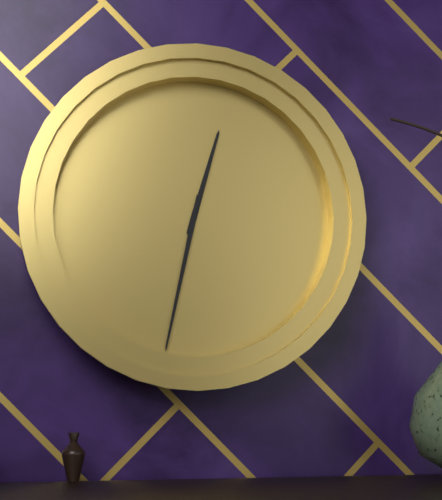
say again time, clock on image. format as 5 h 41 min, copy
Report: 12 h 32 min
